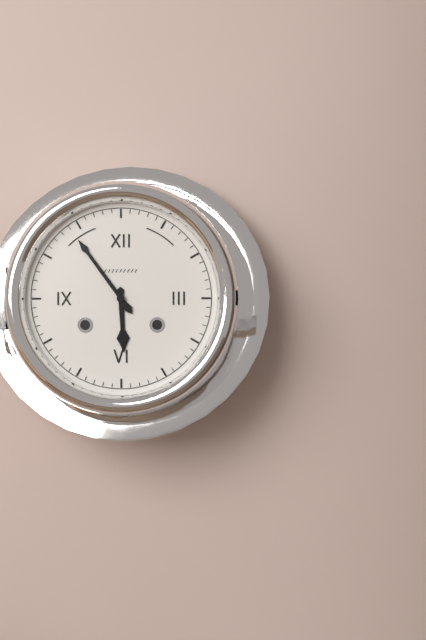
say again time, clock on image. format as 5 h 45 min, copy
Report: 5 h 54 min
